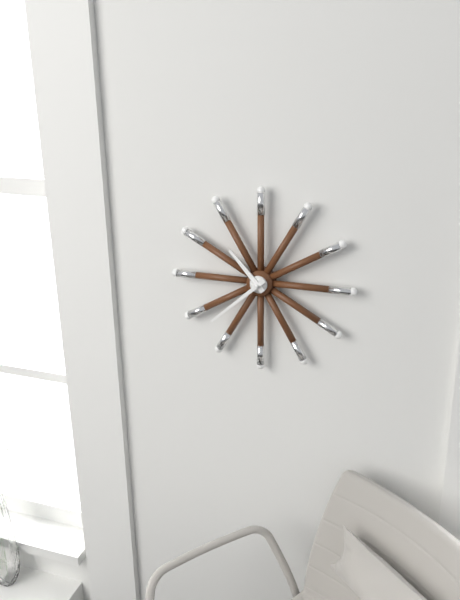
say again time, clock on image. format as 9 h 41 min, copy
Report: 10 h 38 min
